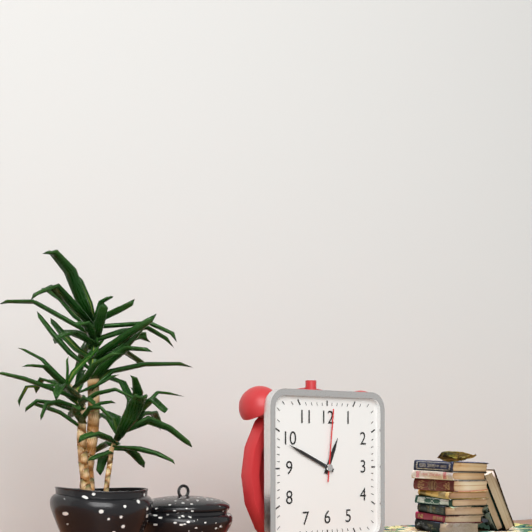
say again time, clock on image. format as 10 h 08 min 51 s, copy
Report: 12 h 49 min 01 s
